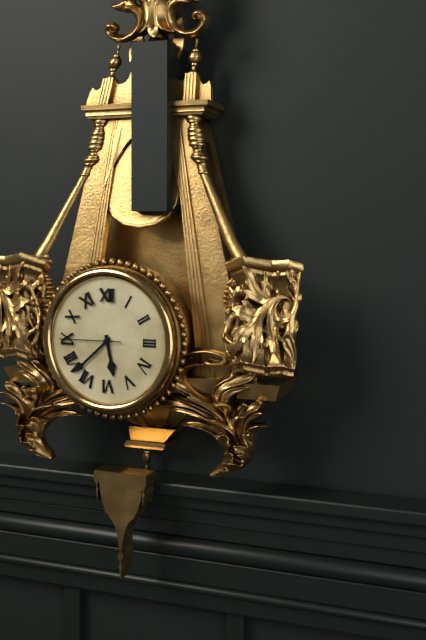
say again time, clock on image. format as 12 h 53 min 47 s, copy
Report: 5 h 38 min 45 s
